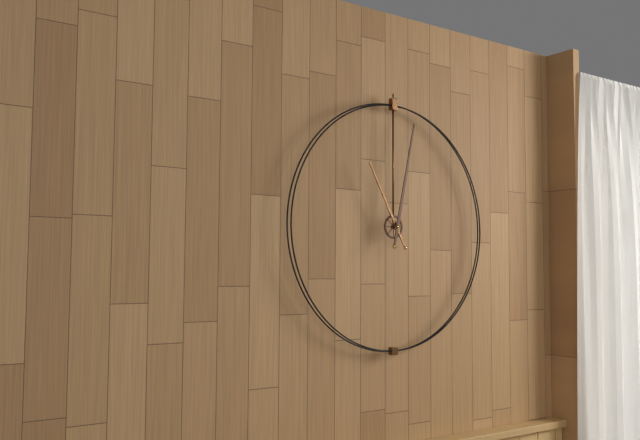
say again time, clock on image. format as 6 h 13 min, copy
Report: 11 h 02 min
